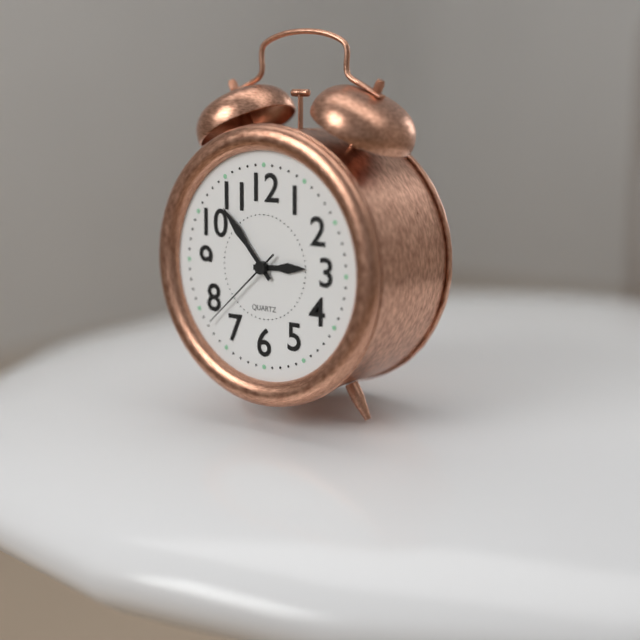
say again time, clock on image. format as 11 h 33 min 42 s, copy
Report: 2 h 53 min 38 s
